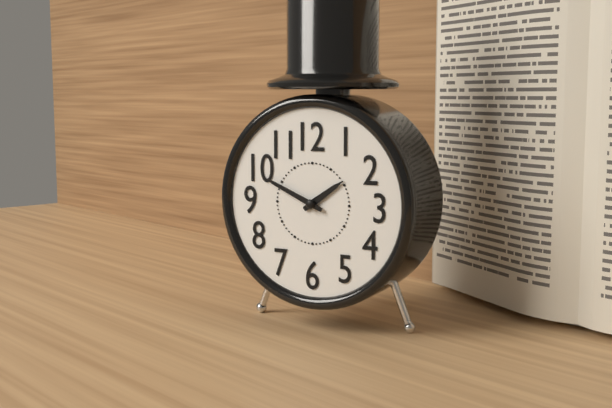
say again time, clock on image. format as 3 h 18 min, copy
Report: 1 h 49 min
